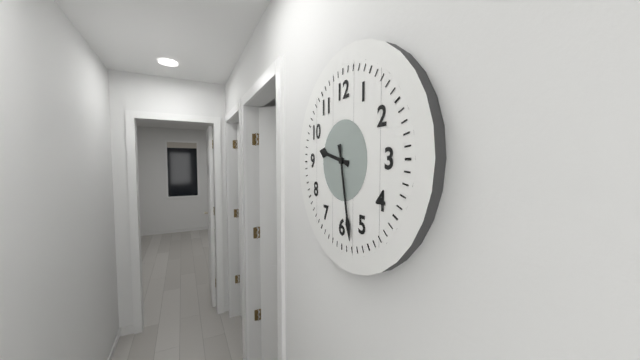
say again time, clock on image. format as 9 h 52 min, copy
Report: 9 h 28 min
